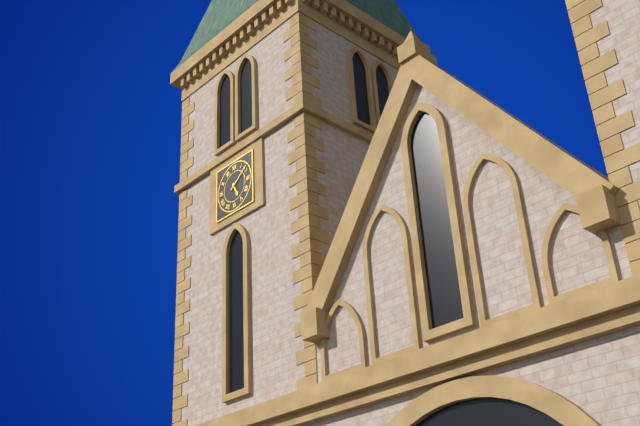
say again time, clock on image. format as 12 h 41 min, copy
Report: 5 h 09 min
